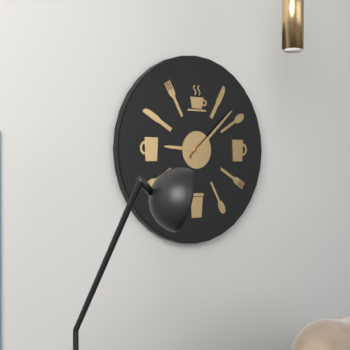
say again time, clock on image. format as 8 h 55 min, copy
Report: 9 h 08 min
